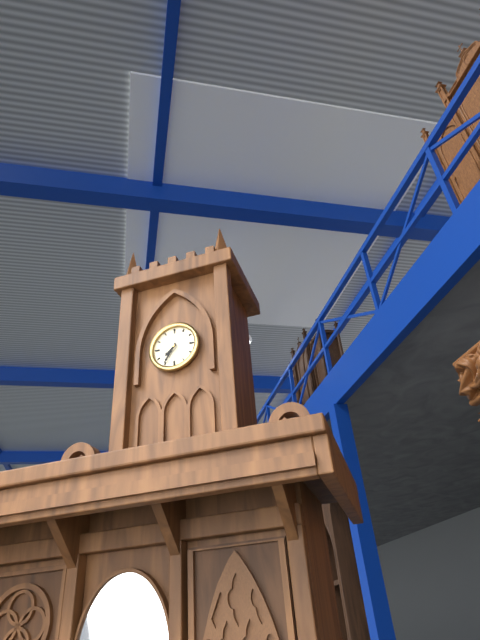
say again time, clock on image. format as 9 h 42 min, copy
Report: 7 h 35 min
